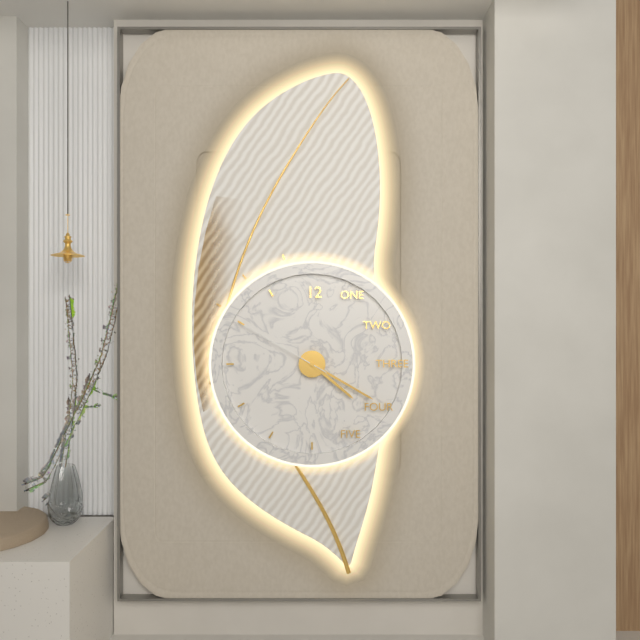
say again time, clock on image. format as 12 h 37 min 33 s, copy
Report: 4 h 20 min 50 s
